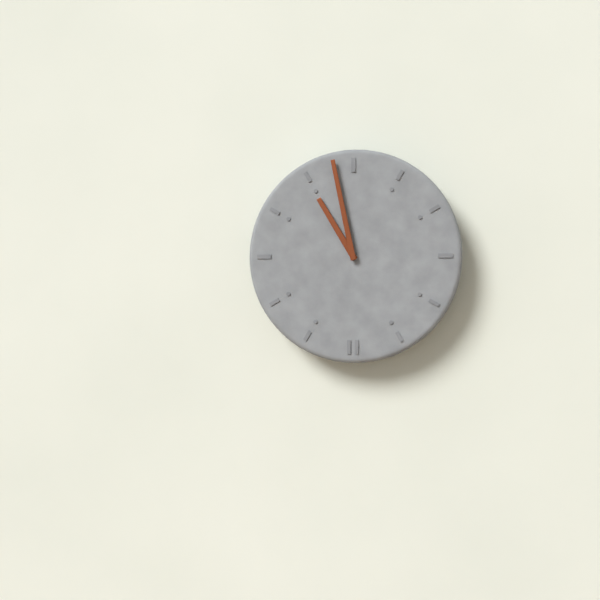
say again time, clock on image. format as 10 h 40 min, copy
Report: 10 h 58 min
